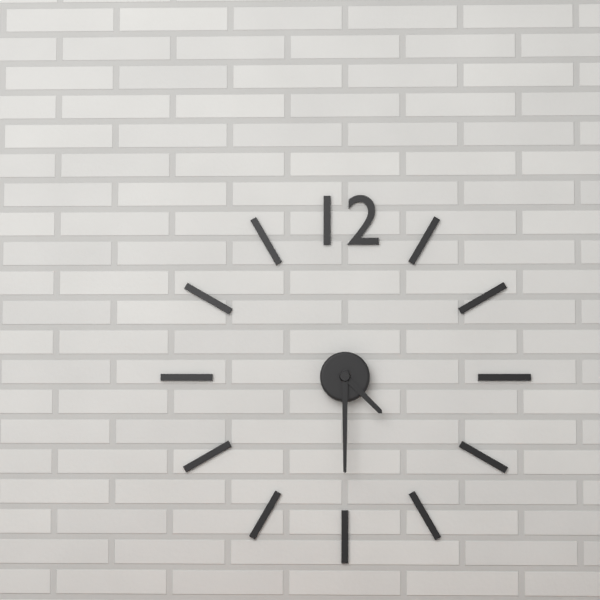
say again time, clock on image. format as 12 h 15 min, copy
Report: 4 h 30 min
